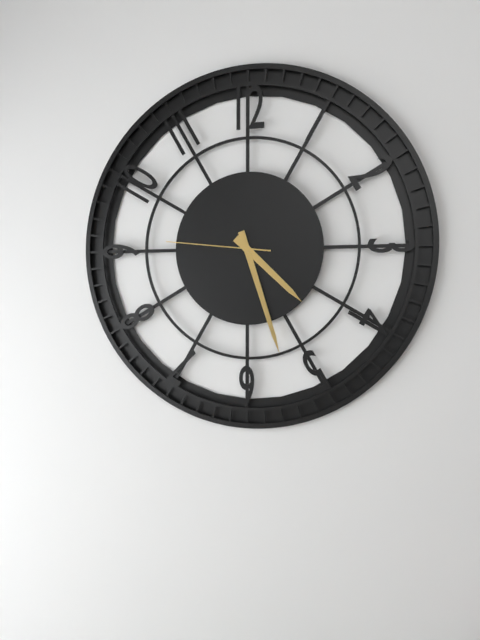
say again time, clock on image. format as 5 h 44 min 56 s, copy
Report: 4 h 27 min 46 s
